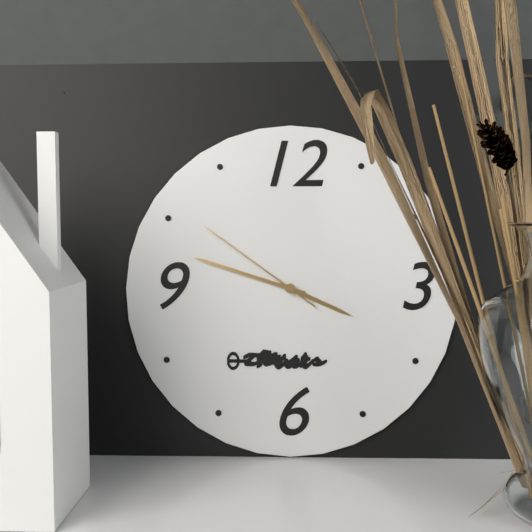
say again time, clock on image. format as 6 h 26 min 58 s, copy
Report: 3 h 48 min 51 s
